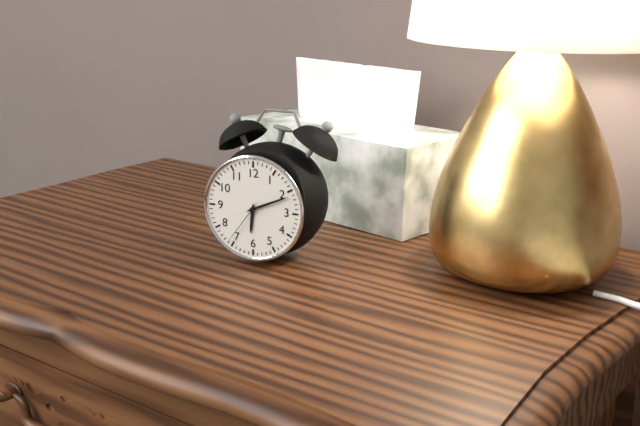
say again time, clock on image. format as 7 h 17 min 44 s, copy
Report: 6 h 11 min 36 s
